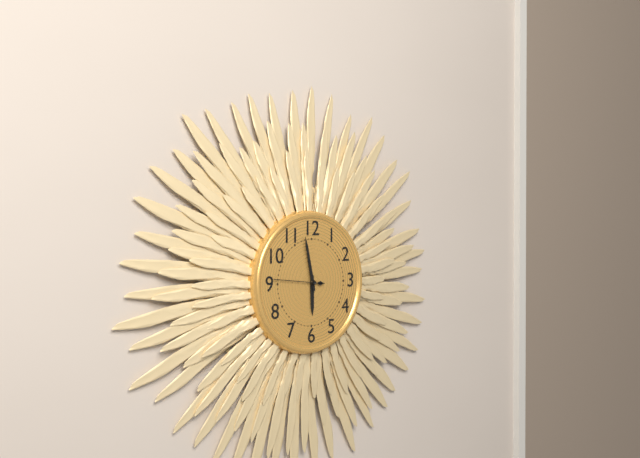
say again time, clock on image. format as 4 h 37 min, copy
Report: 5 h 58 min
